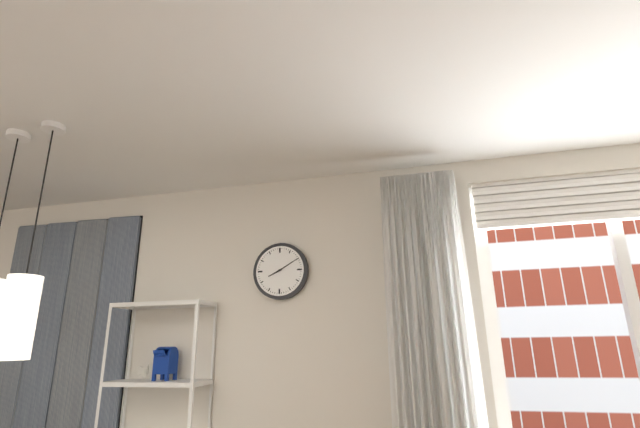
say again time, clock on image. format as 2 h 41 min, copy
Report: 8 h 10 min
